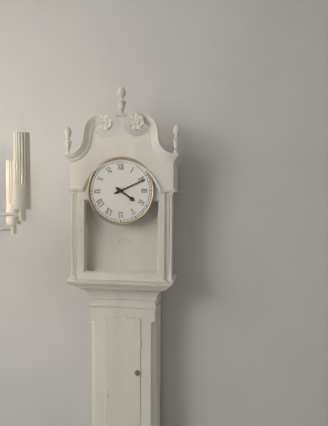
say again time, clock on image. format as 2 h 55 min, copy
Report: 4 h 11 min
